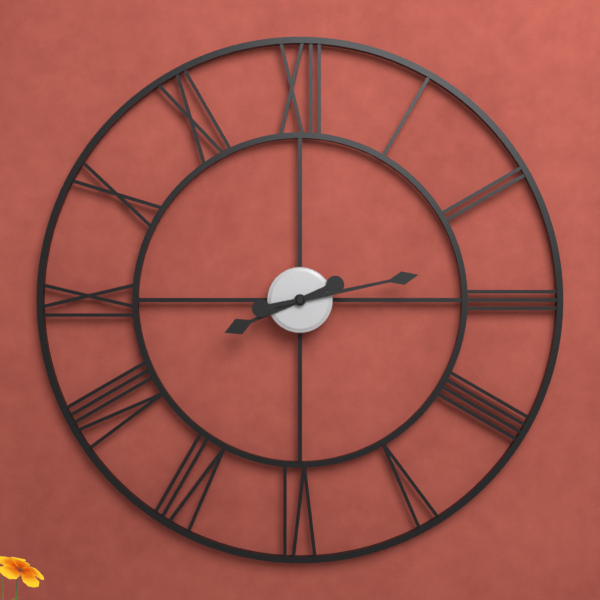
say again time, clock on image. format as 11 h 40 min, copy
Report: 8 h 13 min
